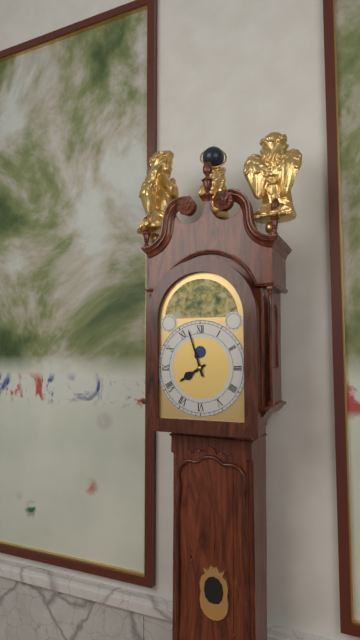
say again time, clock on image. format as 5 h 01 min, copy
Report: 7 h 57 min
